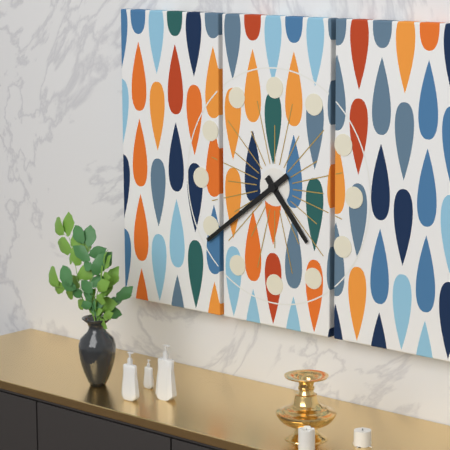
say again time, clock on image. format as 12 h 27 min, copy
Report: 4 h 39 min
